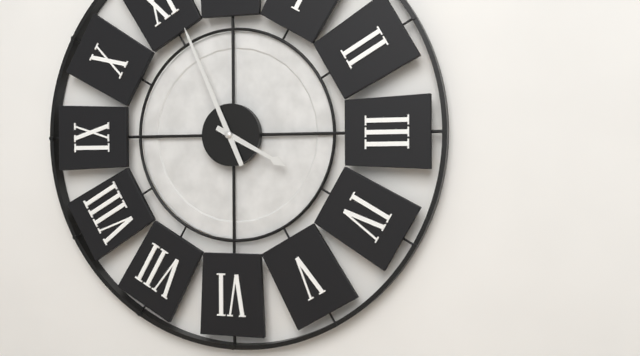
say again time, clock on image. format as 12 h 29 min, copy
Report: 3 h 56 min
